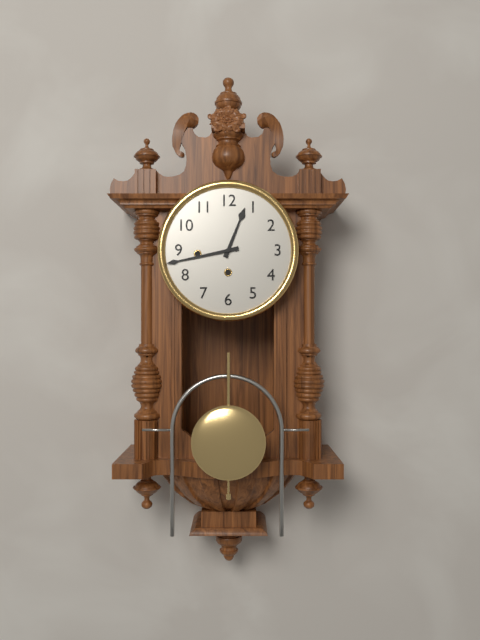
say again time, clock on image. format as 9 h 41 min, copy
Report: 12 h 43 min
